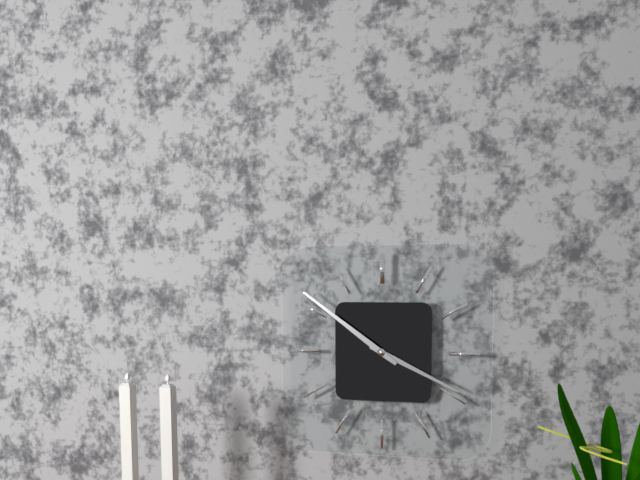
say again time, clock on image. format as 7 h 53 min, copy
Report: 3 h 51 min
